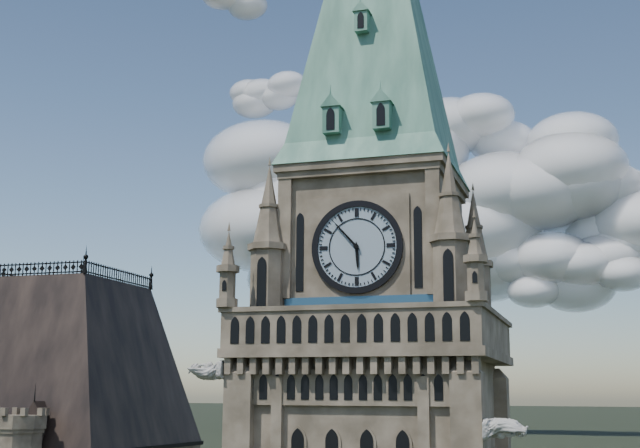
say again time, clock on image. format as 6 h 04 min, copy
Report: 5 h 53 min
